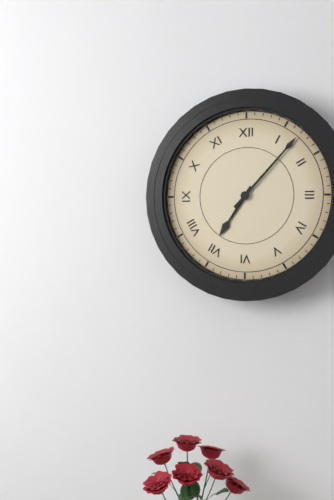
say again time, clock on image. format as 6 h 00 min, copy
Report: 7 h 07 min
